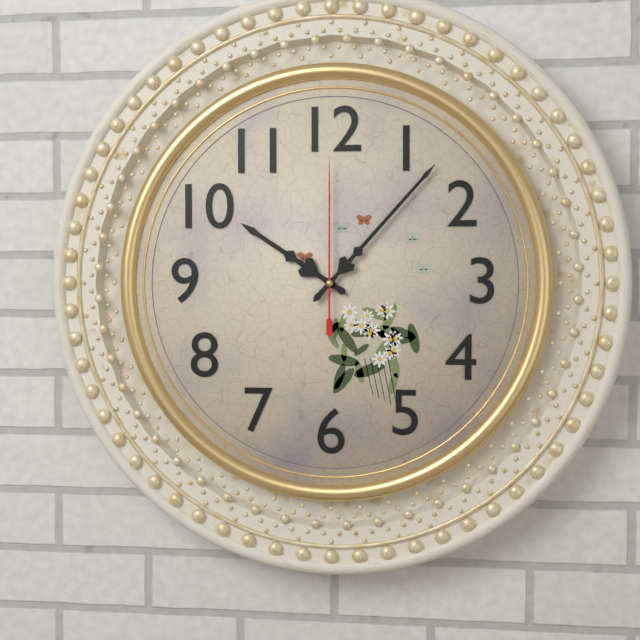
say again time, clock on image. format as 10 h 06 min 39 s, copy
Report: 10 h 07 min 00 s
